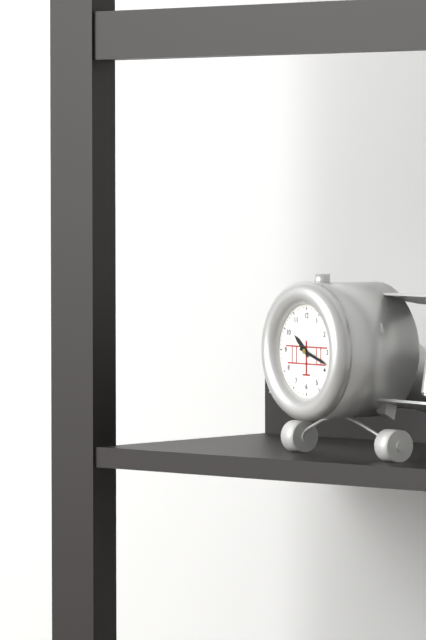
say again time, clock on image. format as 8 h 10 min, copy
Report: 10 h 18 min
